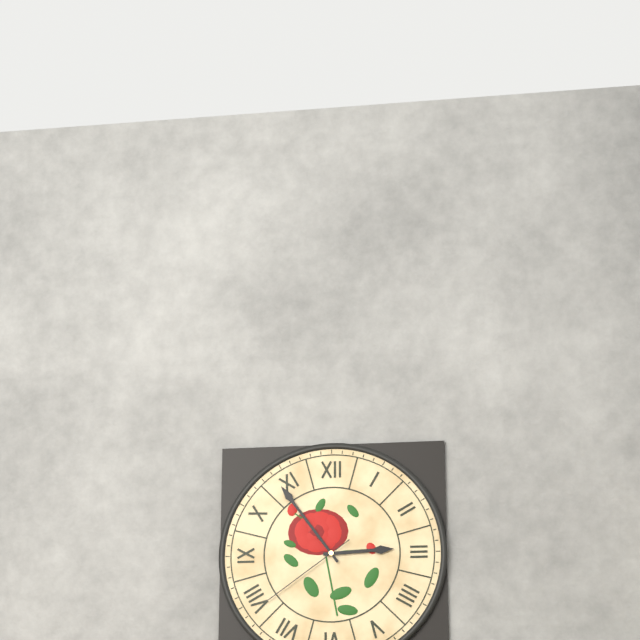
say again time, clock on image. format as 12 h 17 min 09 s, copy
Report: 2 h 54 min 39 s
